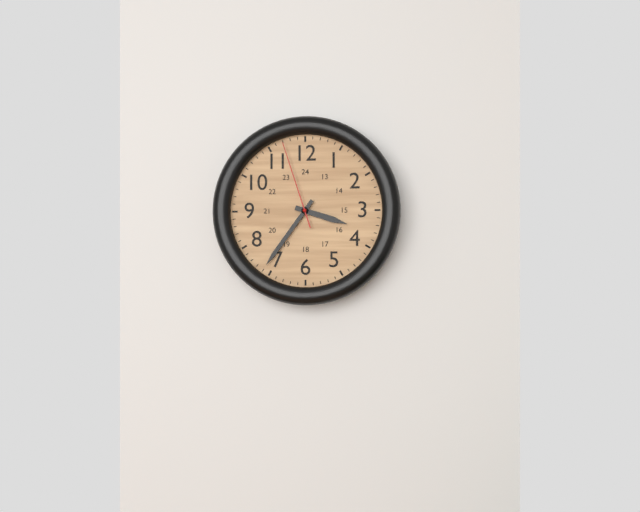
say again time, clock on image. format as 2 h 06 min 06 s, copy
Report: 3 h 36 min 57 s
